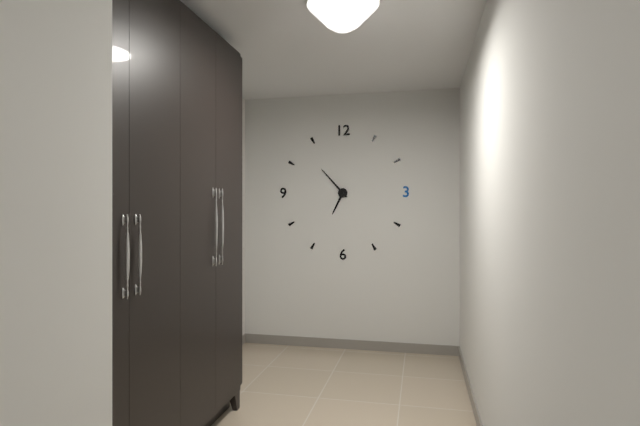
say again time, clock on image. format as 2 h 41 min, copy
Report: 6 h 53 min
